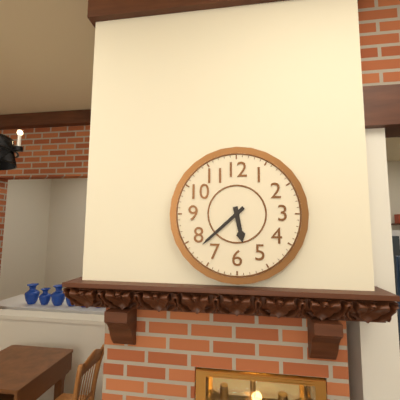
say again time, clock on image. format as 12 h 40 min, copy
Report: 5 h 38 min
